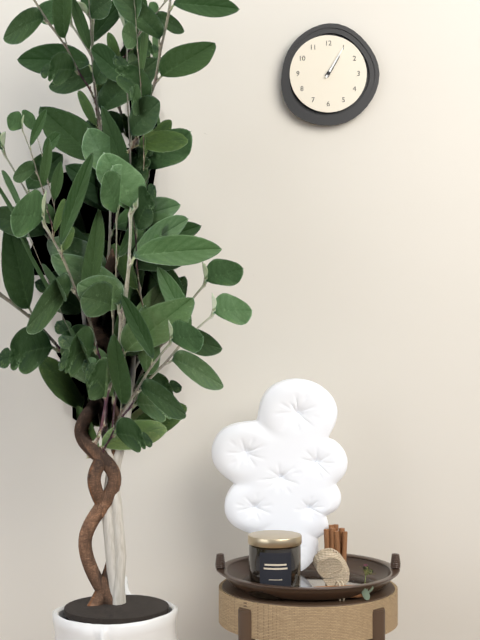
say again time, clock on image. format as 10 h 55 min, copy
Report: 1 h 05 min
